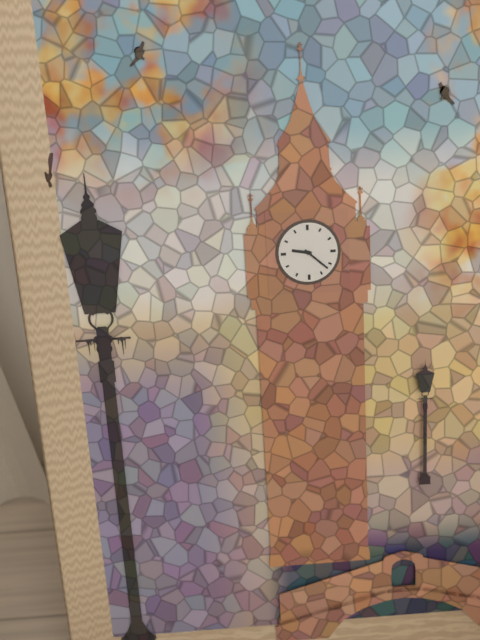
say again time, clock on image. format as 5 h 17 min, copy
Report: 9 h 22 min
